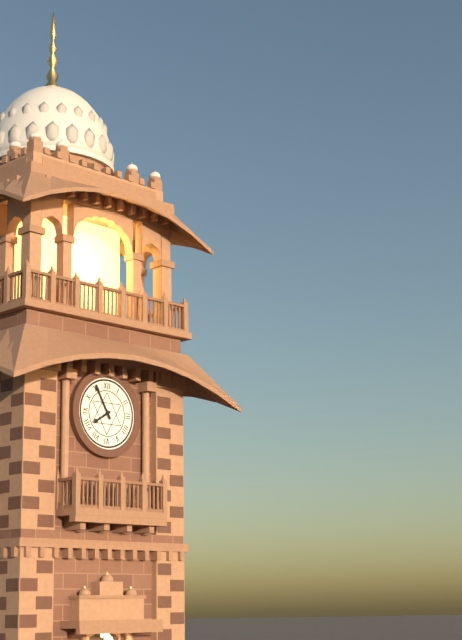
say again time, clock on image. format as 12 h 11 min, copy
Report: 7 h 55 min
